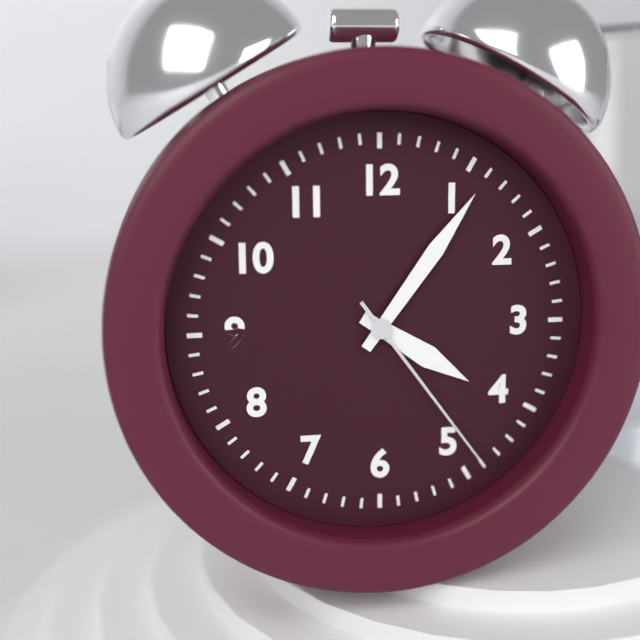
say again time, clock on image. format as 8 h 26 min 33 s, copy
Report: 4 h 06 min 24 s
